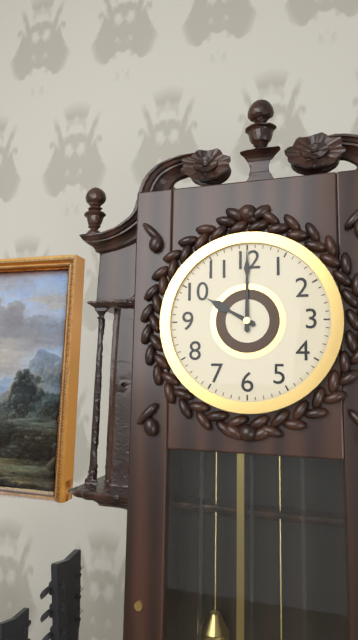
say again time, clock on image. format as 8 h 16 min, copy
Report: 10 h 00 min
